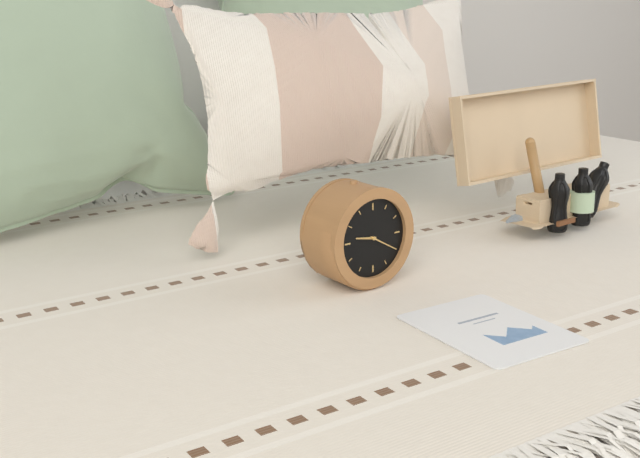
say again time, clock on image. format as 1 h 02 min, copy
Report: 9 h 20 min
